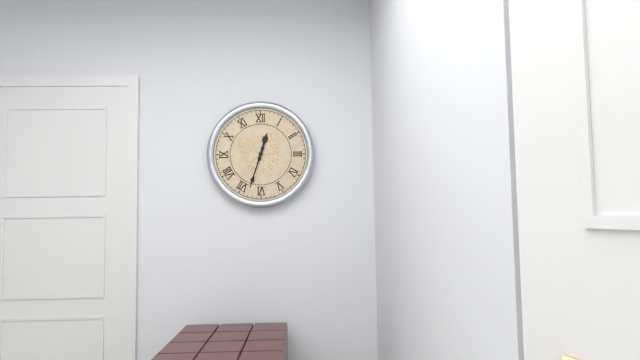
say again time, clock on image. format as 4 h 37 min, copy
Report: 12 h 33 min
